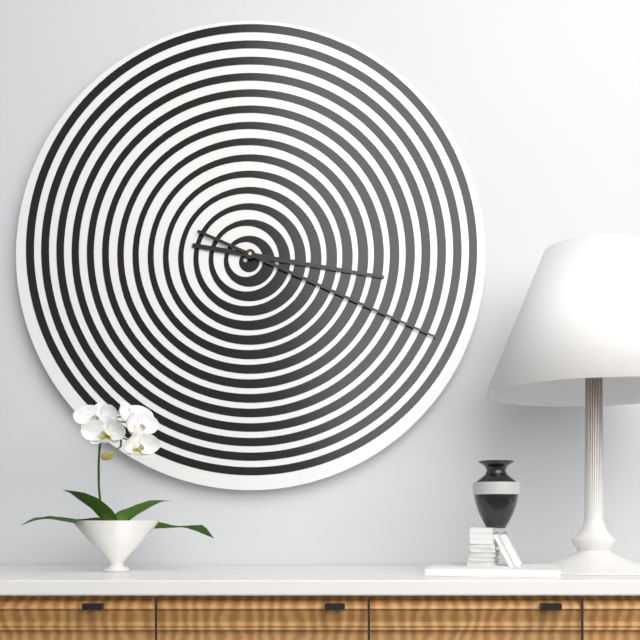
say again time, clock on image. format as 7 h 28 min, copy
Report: 3 h 19 min
